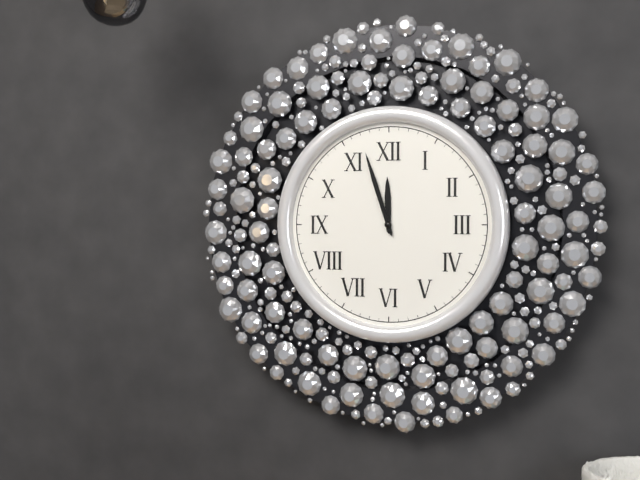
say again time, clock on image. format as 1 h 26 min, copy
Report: 11 h 57 min
